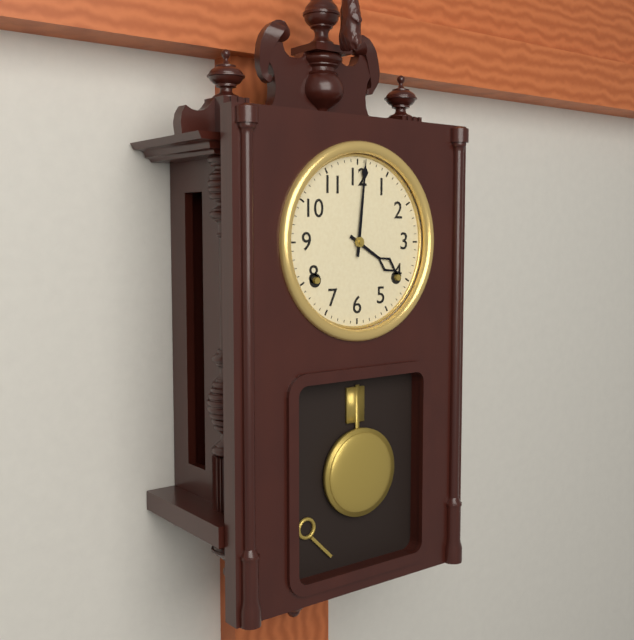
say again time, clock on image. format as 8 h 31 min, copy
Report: 4 h 01 min
